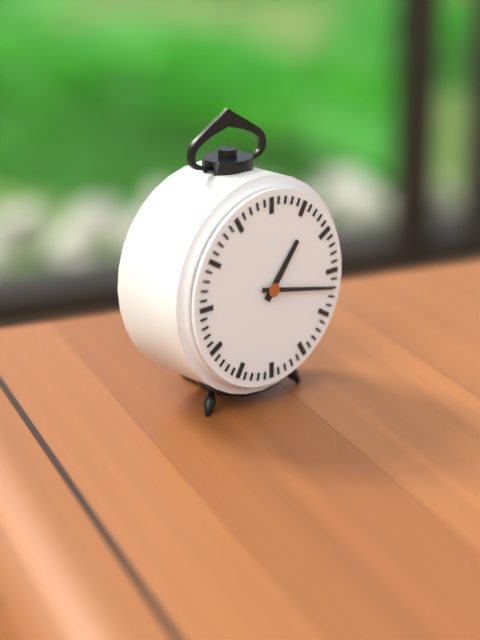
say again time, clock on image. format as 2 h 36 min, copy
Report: 1 h 17 min
